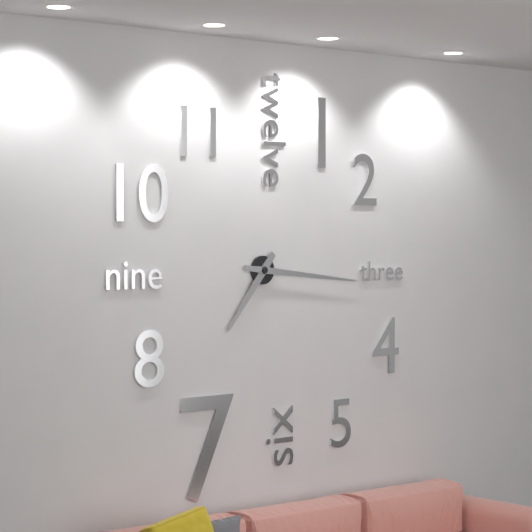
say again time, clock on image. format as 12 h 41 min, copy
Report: 7 h 16 min
